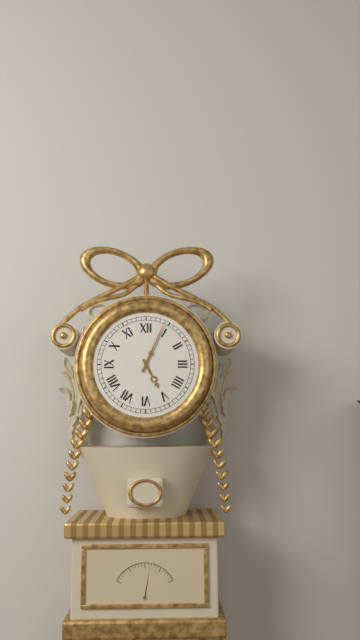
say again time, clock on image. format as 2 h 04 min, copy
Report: 5 h 04 min
